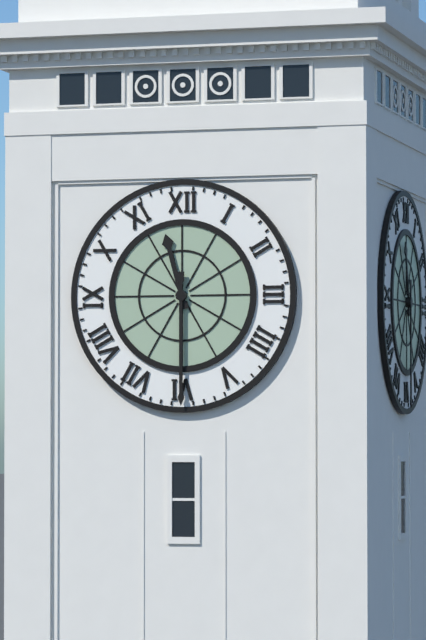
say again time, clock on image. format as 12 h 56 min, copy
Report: 11 h 30 min
